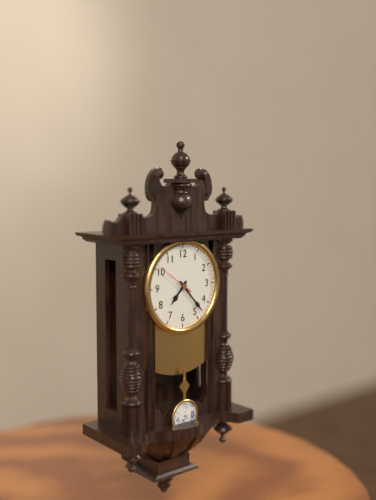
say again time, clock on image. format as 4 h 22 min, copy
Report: 7 h 23 min
